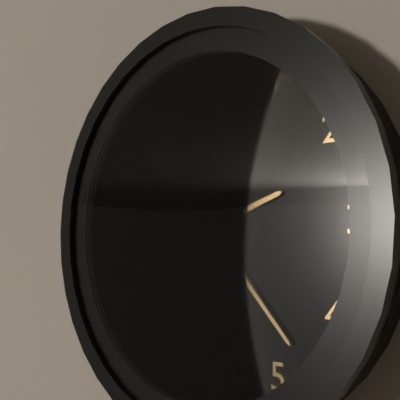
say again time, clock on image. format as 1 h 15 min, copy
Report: 2 h 23 min
